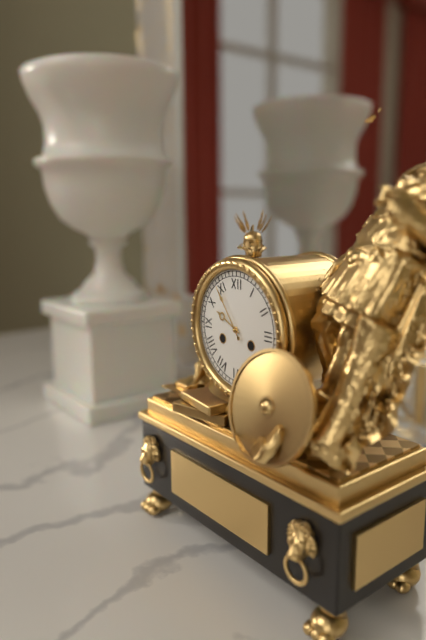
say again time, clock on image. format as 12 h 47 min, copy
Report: 9 h 54 min
